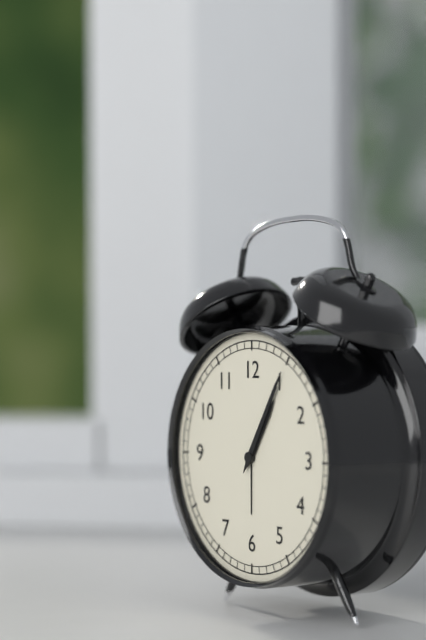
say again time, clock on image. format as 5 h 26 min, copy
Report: 1 h 05 min
